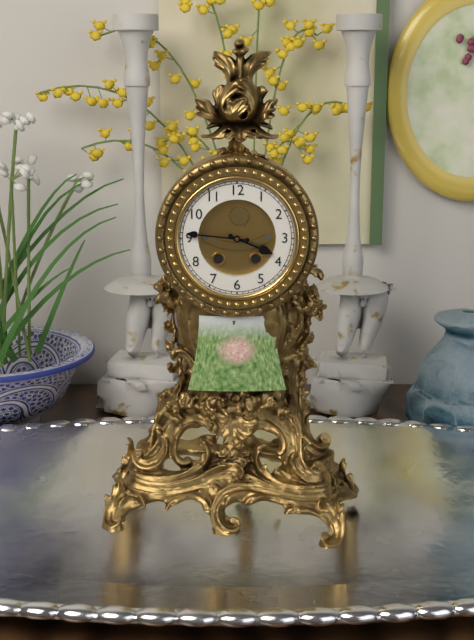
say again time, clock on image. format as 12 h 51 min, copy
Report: 3 h 46 min
